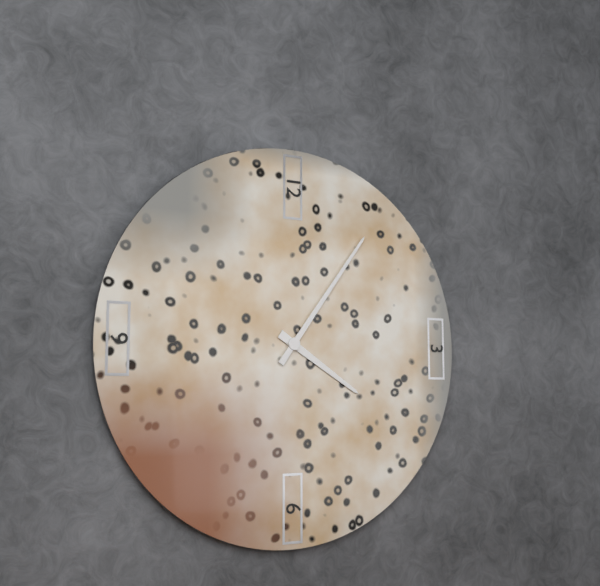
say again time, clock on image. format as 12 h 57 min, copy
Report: 4 h 06 min
